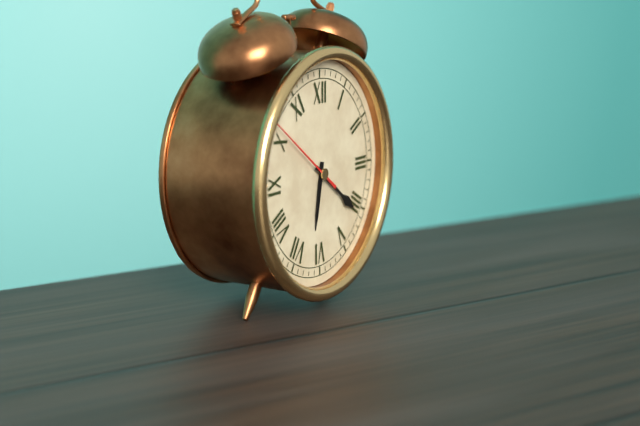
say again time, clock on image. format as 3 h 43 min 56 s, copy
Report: 6 h 21 min 51 s
